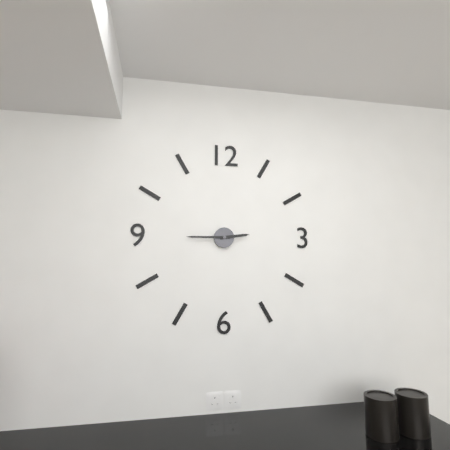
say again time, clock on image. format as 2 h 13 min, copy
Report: 2 h 45 min
